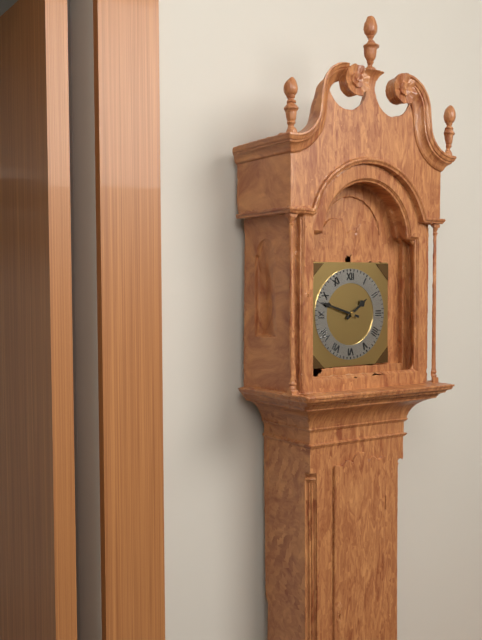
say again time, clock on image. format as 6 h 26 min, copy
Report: 1 h 48 min
